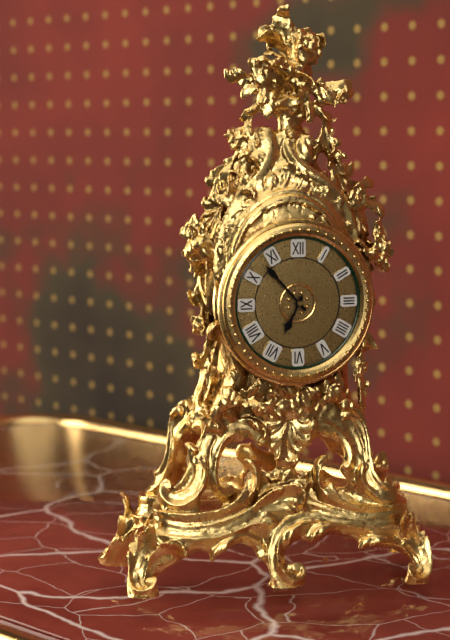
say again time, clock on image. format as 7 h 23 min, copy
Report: 6 h 53 min
